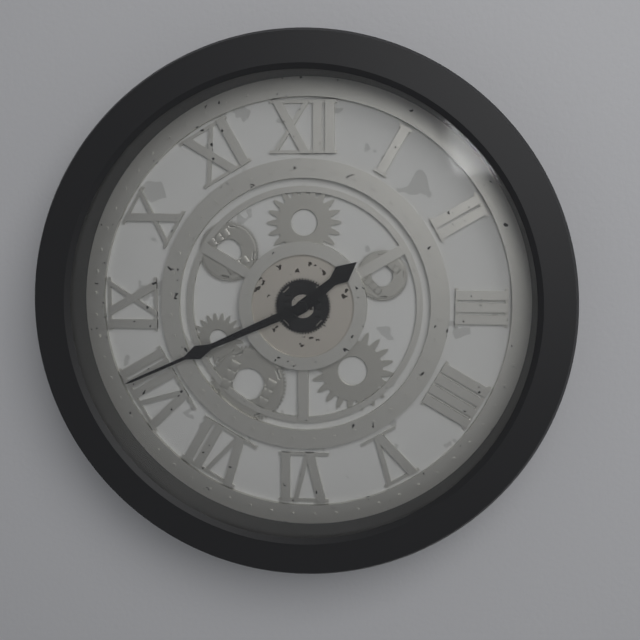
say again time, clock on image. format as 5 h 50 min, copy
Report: 1 h 41 min
